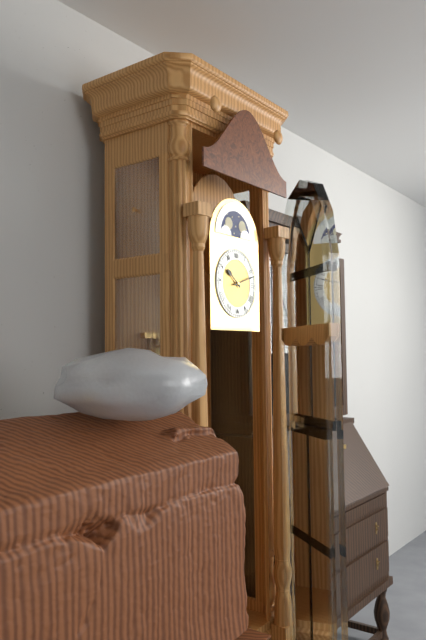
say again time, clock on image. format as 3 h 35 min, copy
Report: 10 h 12 min
